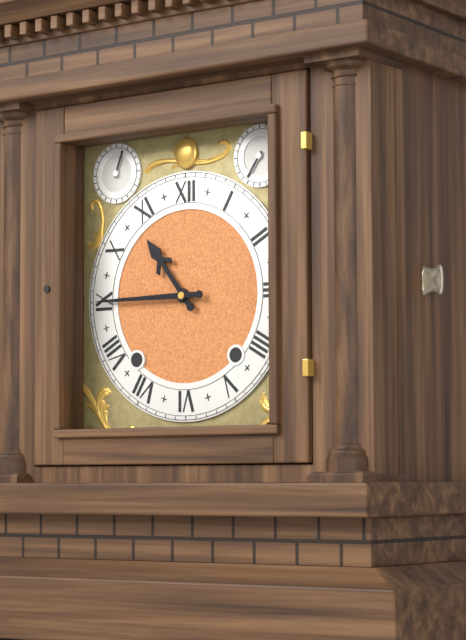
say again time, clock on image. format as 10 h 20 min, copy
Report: 10 h 45 min
